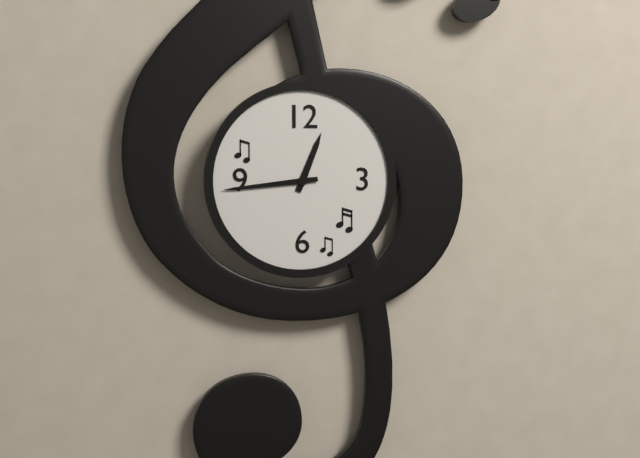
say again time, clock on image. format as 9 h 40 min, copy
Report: 12 h 44 min
